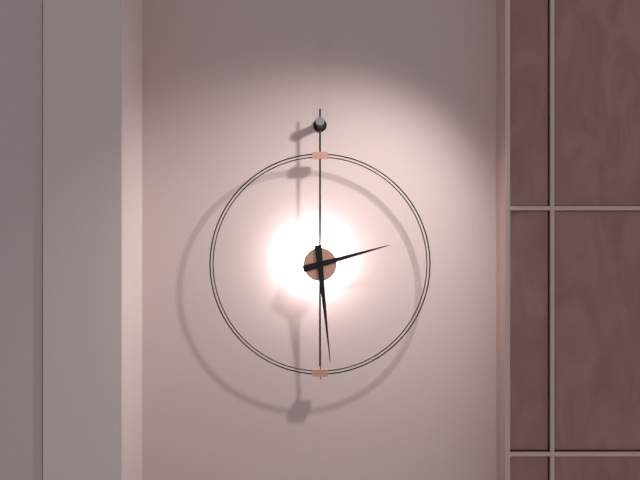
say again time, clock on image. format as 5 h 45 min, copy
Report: 2 h 29 min
